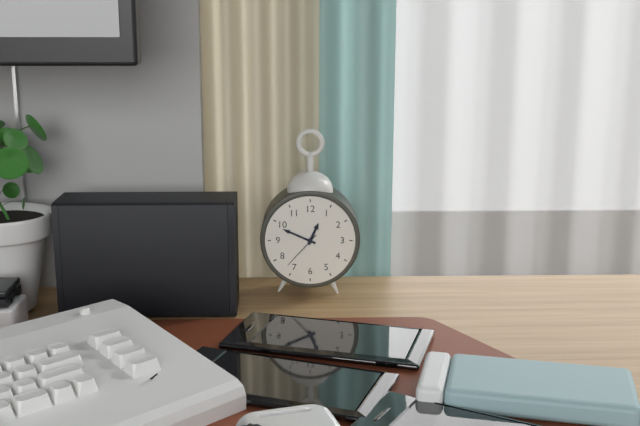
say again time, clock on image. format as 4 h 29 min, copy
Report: 12 h 49 min
